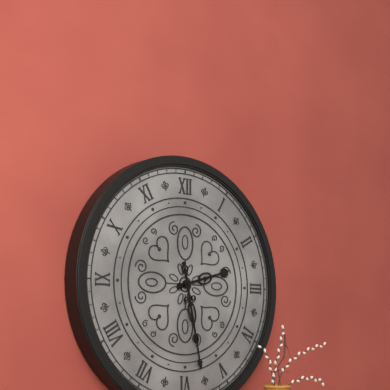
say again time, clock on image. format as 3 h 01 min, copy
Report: 2 h 28 min
